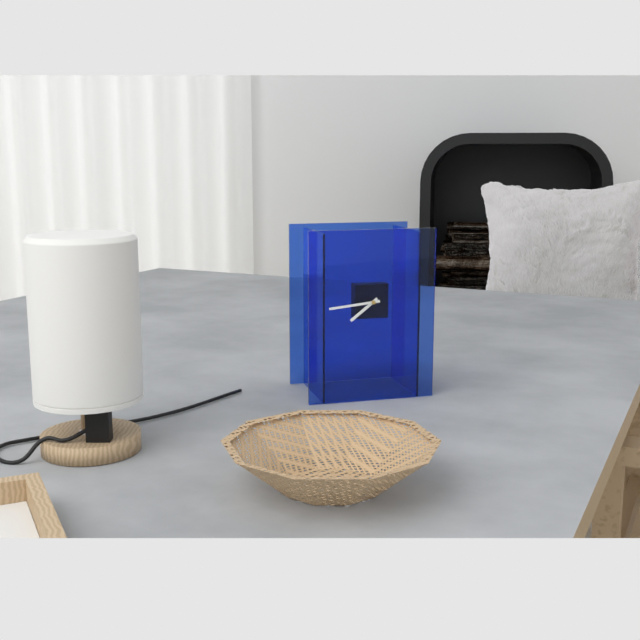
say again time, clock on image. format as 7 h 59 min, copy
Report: 7 h 44 min
